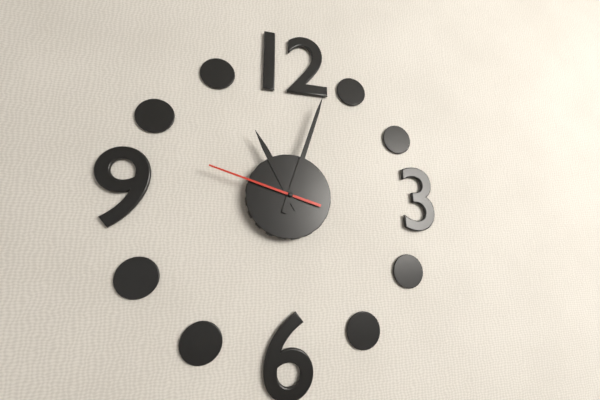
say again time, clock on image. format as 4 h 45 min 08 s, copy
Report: 11 h 03 min 48 s
